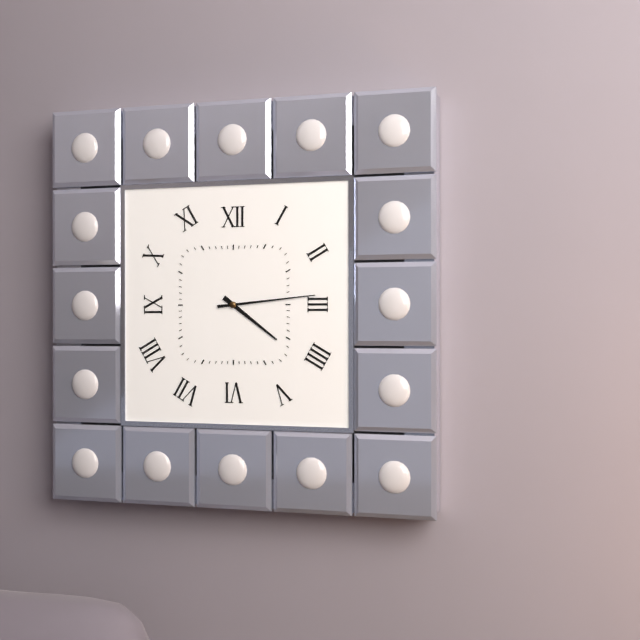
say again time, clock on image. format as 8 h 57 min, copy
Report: 4 h 14 min
